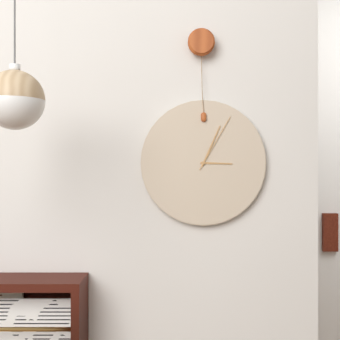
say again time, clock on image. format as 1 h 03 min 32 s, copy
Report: 3 h 04 min 05 s
